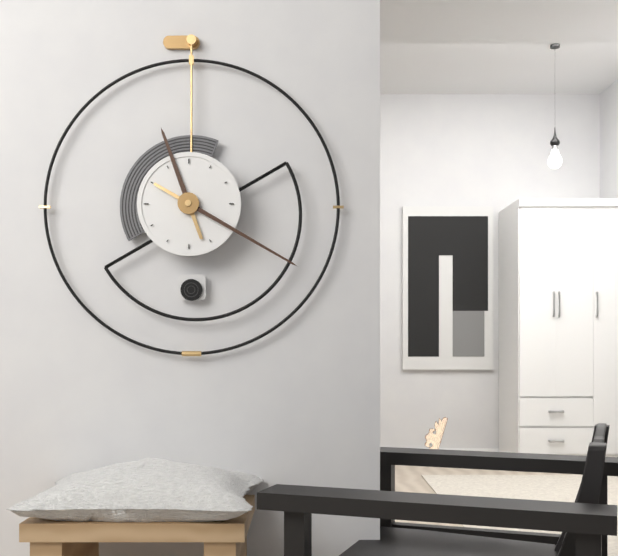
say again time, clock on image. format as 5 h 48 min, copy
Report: 11 h 20 min
